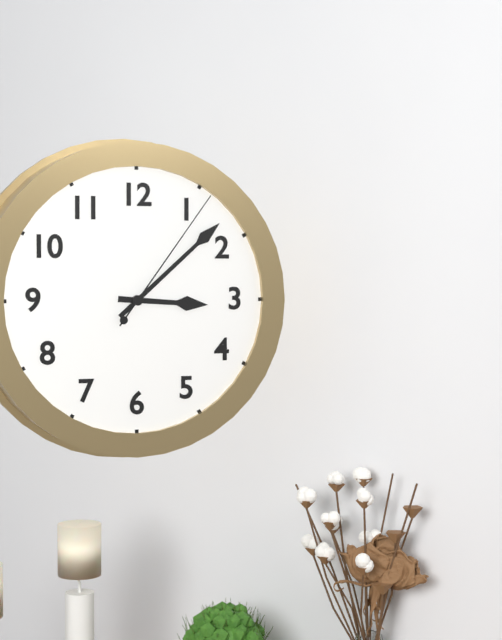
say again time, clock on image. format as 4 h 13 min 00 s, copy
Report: 3 h 08 min 06 s
